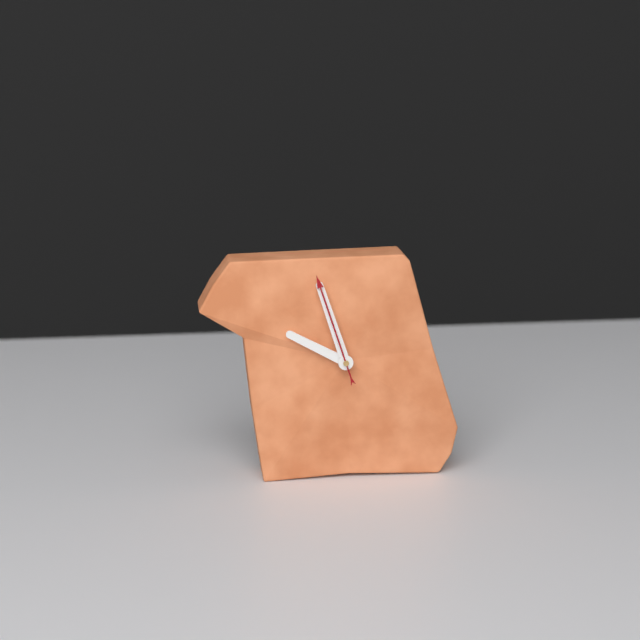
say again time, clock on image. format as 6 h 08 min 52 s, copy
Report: 9 h 57 min 57 s
